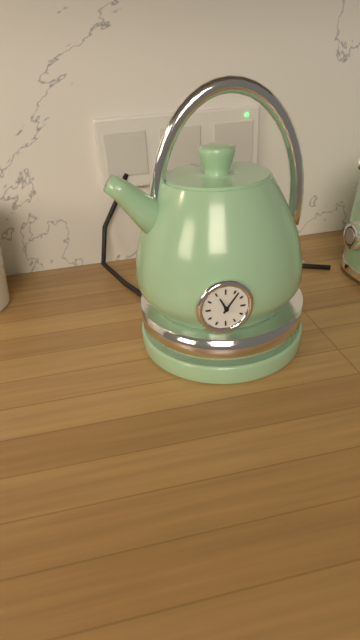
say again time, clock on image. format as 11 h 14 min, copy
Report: 11 h 06 min
